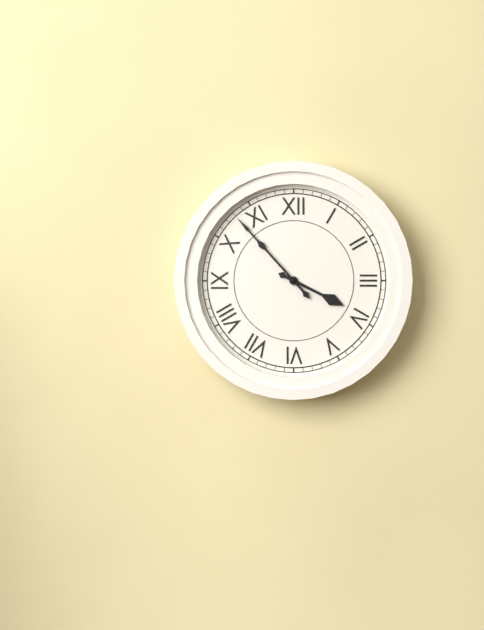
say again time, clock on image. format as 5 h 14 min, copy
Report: 3 h 53 min
